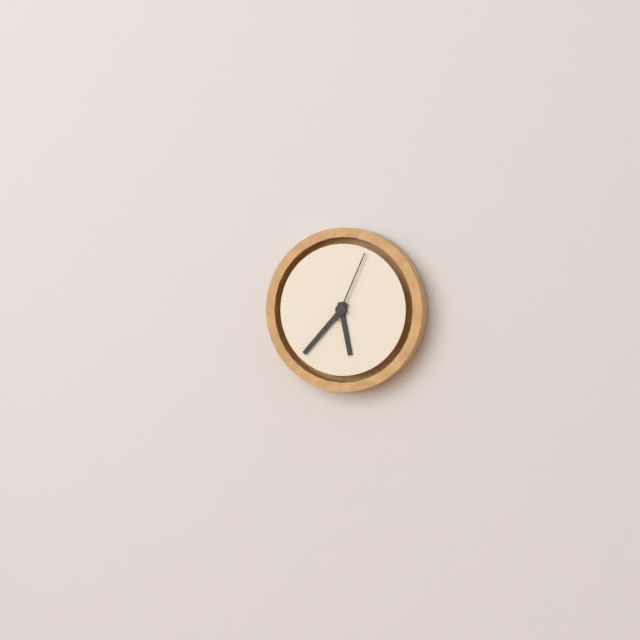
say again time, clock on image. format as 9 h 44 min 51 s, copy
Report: 5 h 37 min 04 s
